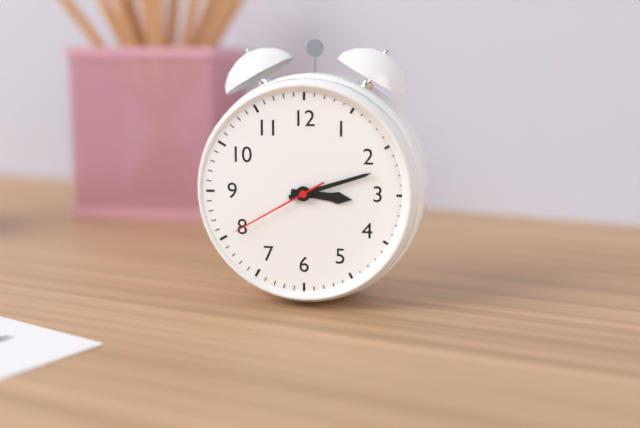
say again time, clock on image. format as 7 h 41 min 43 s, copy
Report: 3 h 12 min 40 s
